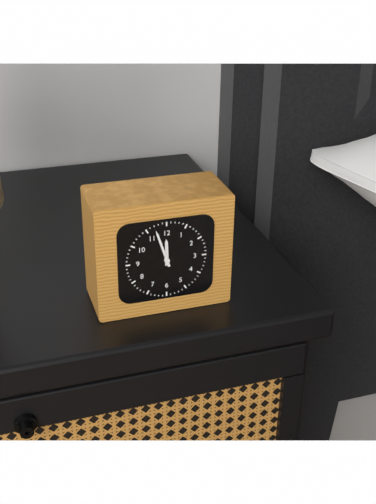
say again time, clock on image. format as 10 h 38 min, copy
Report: 11 h 57 min
